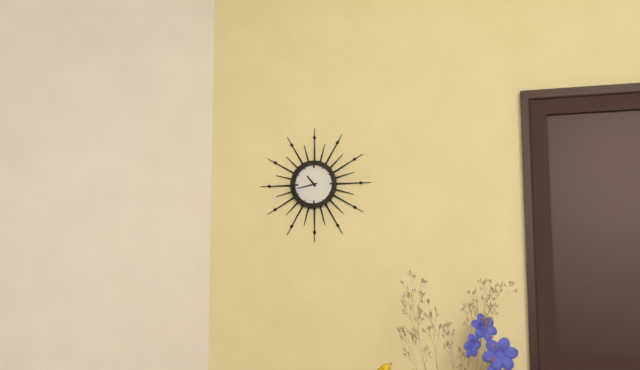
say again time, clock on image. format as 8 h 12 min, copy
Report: 10 h 43 min
